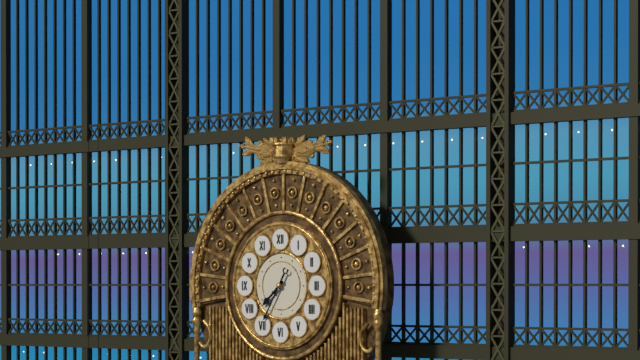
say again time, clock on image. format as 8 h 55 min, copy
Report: 7 h 35 min
